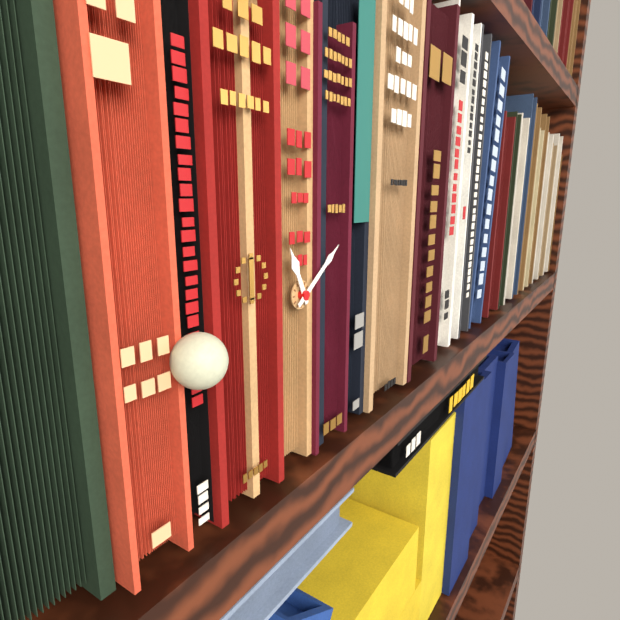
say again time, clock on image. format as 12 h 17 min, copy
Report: 11 h 09 min
